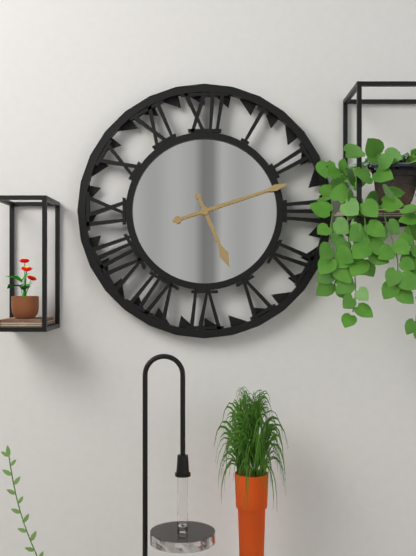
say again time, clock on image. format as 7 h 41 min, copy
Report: 5 h 12 min
